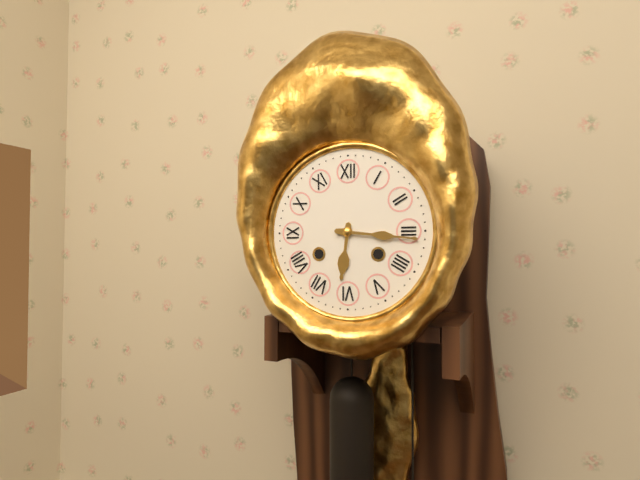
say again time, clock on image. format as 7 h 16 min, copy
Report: 6 h 16 min
